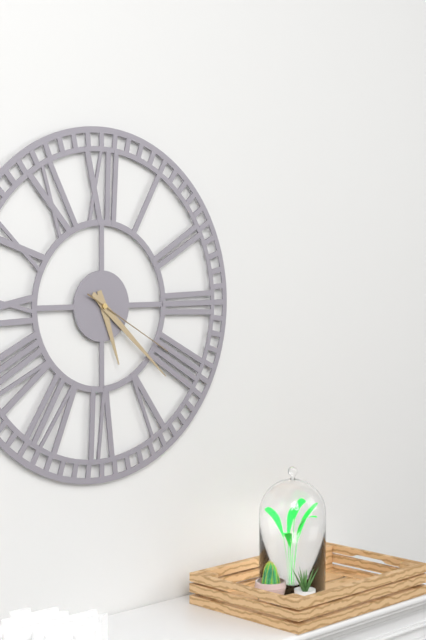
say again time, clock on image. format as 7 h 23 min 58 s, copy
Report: 5 h 22 min 20 s
